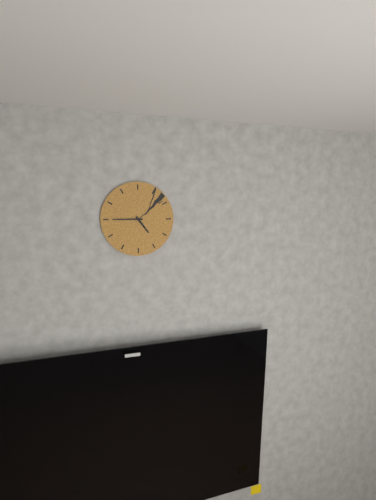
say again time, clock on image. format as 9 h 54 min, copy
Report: 4 h 45 min
